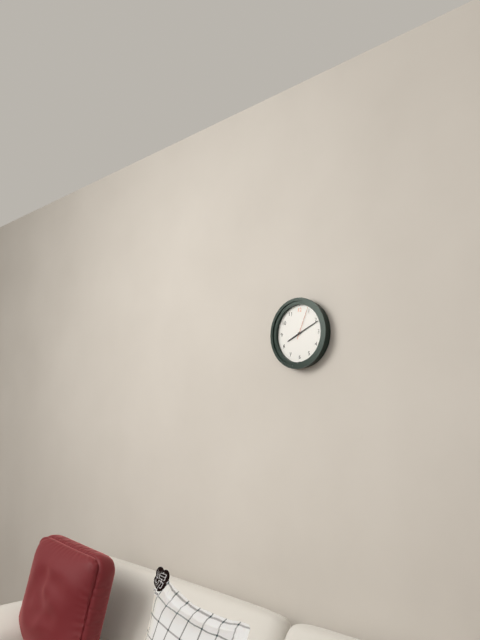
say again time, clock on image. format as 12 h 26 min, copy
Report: 8 h 11 min
